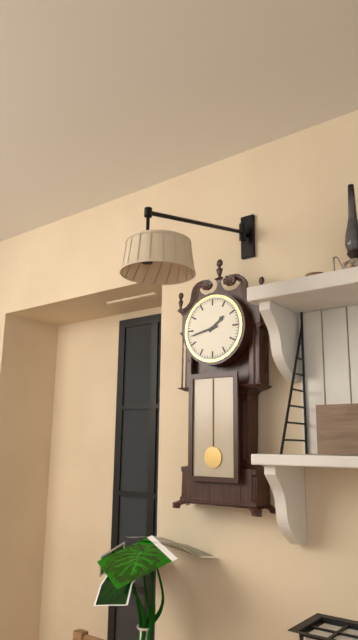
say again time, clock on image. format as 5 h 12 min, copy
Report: 1 h 43 min
